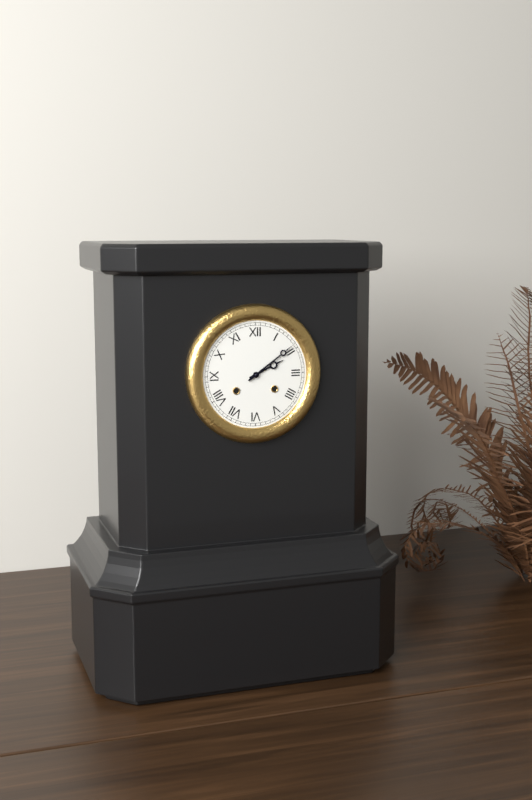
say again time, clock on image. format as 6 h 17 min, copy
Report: 2 h 09 min
